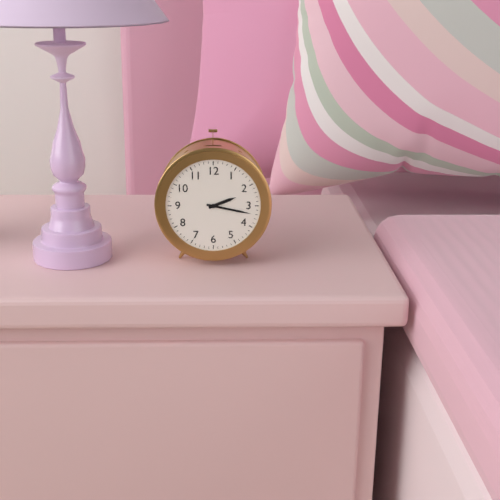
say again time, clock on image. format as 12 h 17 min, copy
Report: 2 h 17 min
